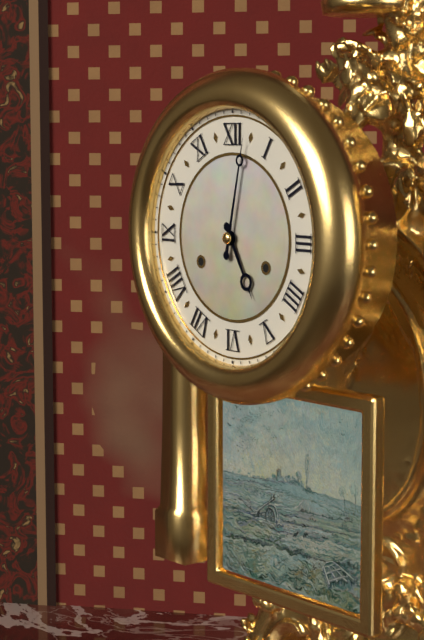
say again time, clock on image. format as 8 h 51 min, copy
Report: 5 h 02 min
